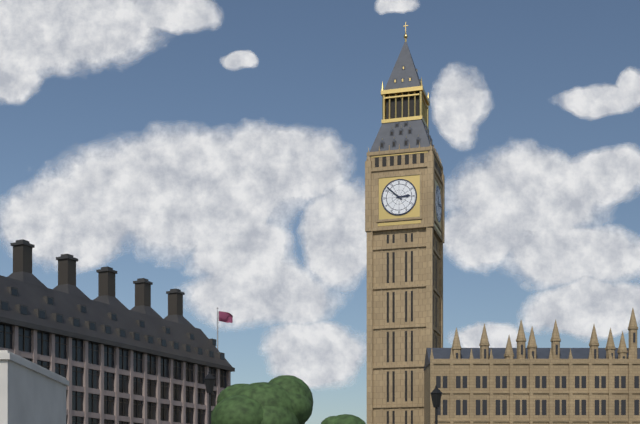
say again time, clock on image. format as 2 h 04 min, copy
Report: 2 h 52 min
